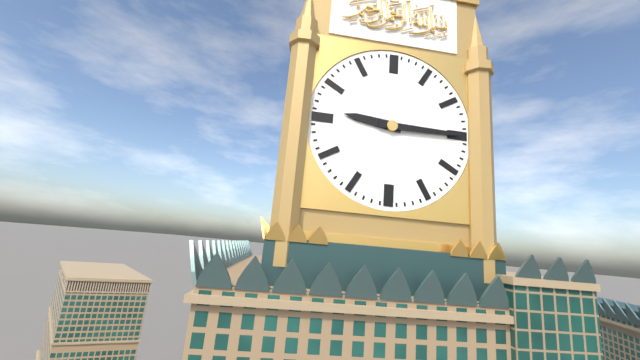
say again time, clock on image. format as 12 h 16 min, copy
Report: 9 h 15 min
